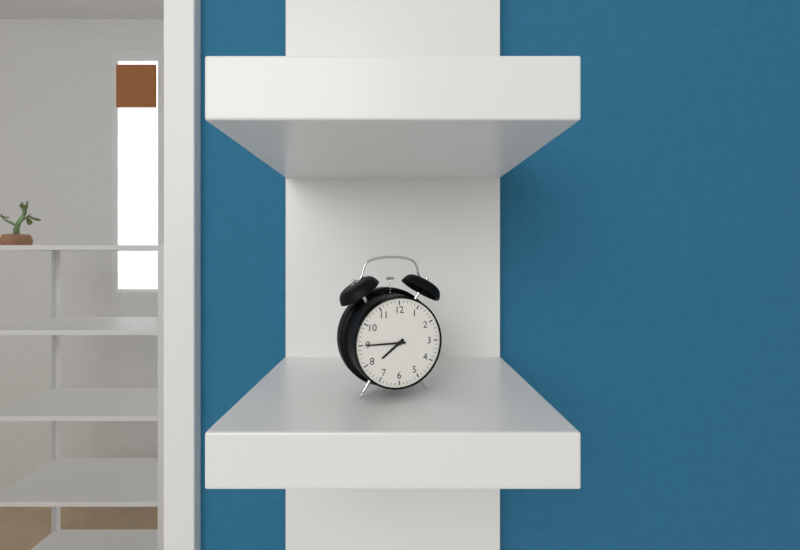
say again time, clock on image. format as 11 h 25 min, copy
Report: 7 h 45 min
